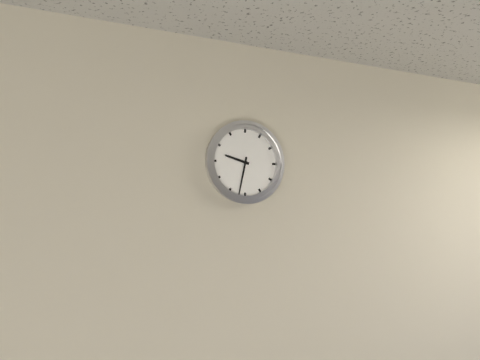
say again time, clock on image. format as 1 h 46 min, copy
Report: 9 h 32 min
